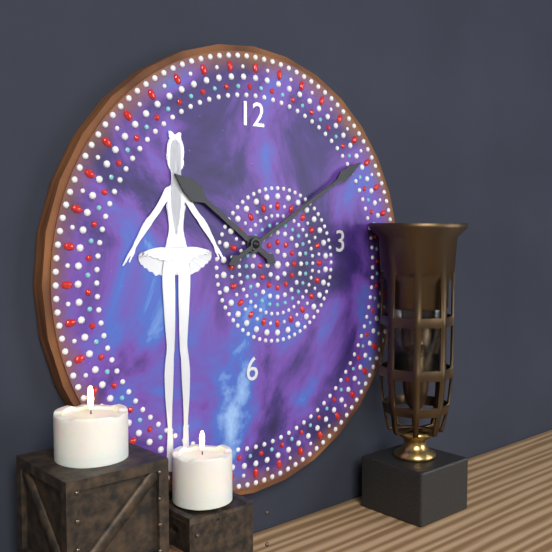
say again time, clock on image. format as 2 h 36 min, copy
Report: 10 h 10 min
